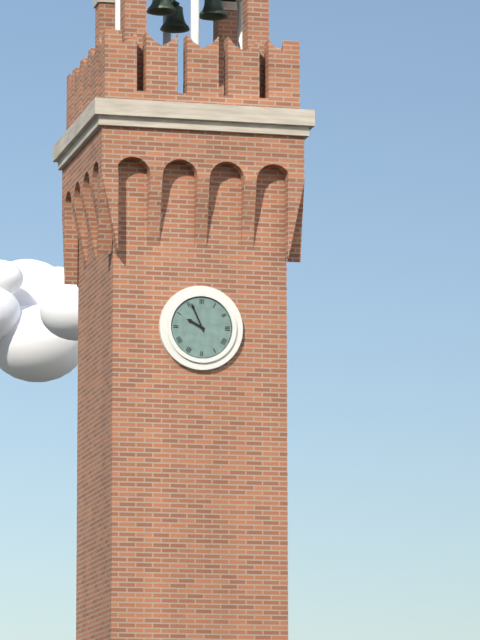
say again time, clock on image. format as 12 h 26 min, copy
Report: 9 h 56 min
